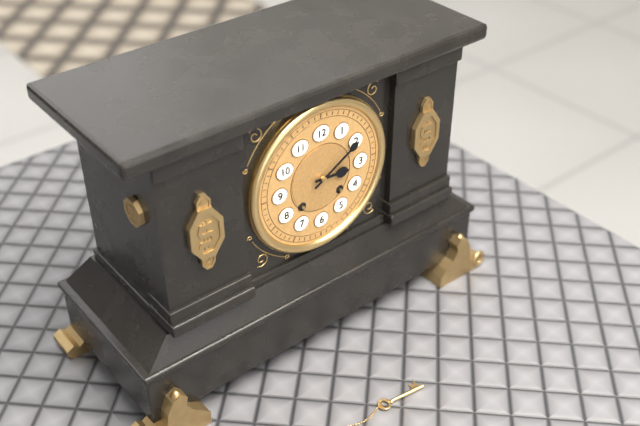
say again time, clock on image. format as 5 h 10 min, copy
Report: 3 h 10 min
